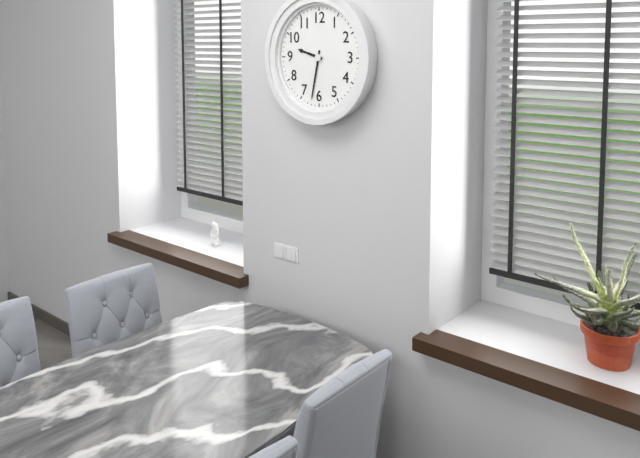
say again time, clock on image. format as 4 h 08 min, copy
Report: 9 h 32 min
